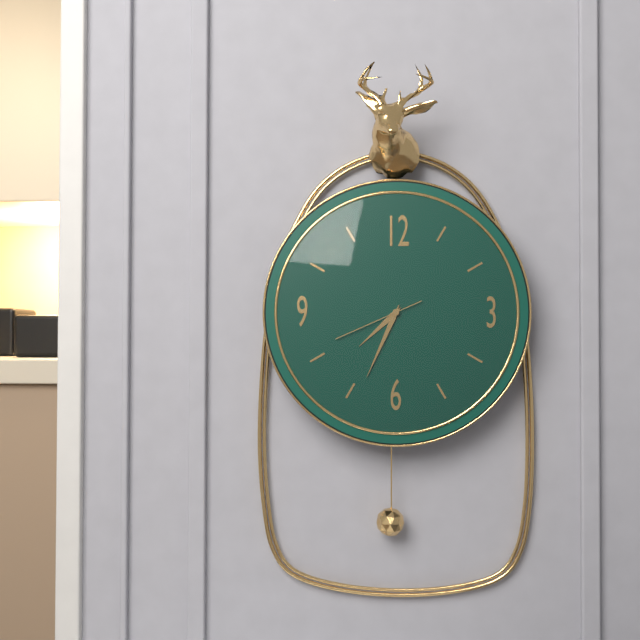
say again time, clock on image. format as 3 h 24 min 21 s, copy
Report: 7 h 34 min 41 s
